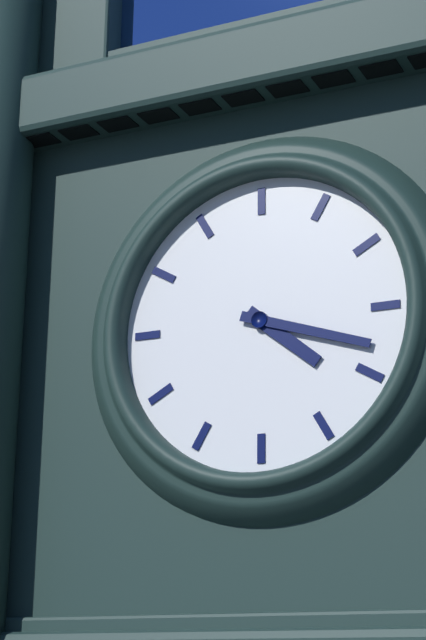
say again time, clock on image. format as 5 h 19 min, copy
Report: 4 h 18 min
